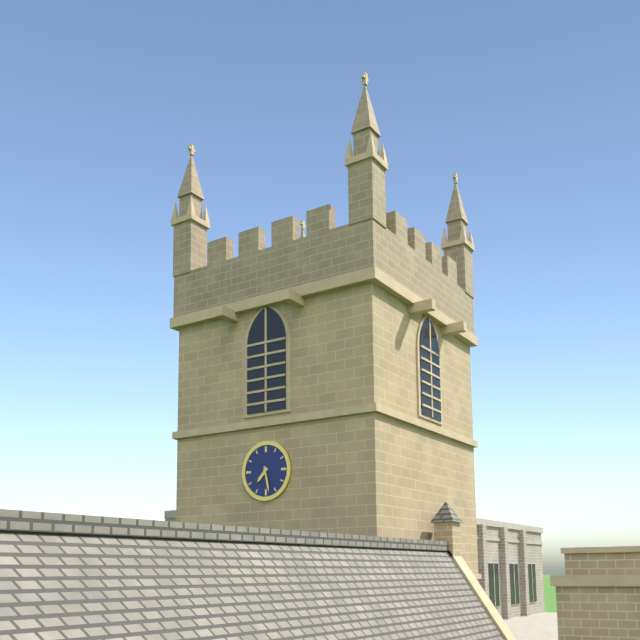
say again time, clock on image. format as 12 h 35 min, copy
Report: 7 h 28 min
